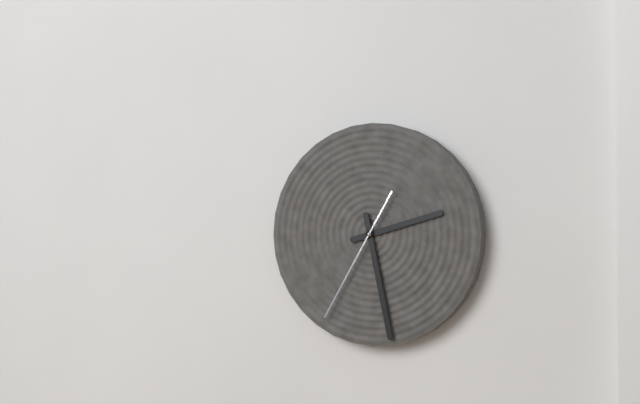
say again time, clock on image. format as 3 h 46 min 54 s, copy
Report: 2 h 28 min 35 s
